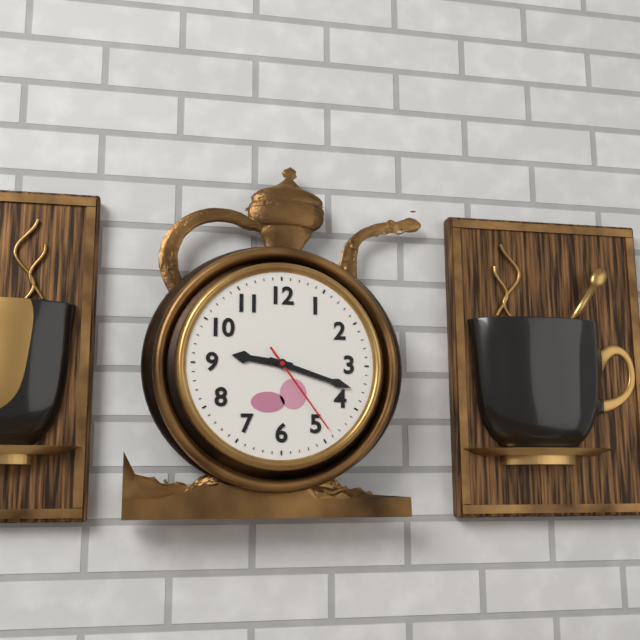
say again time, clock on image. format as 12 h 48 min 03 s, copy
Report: 9 h 18 min 24 s
